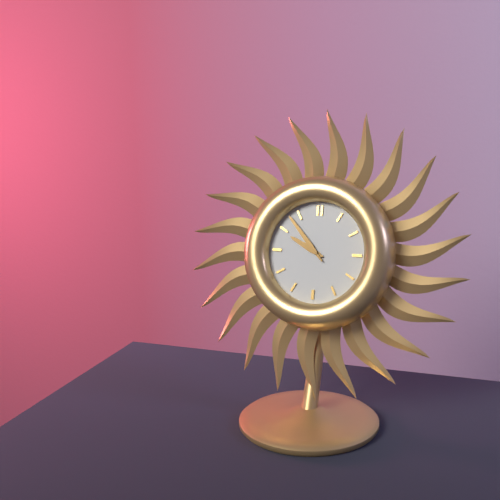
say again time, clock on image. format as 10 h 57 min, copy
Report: 9 h 53 min
